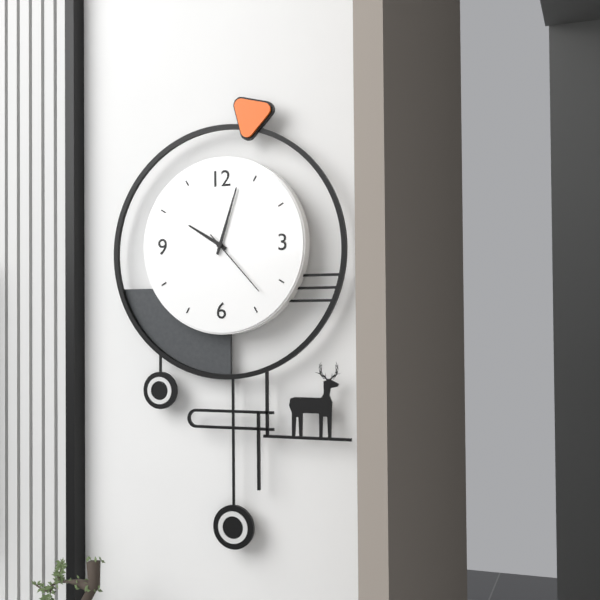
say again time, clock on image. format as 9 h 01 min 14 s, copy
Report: 10 h 03 min 23 s
